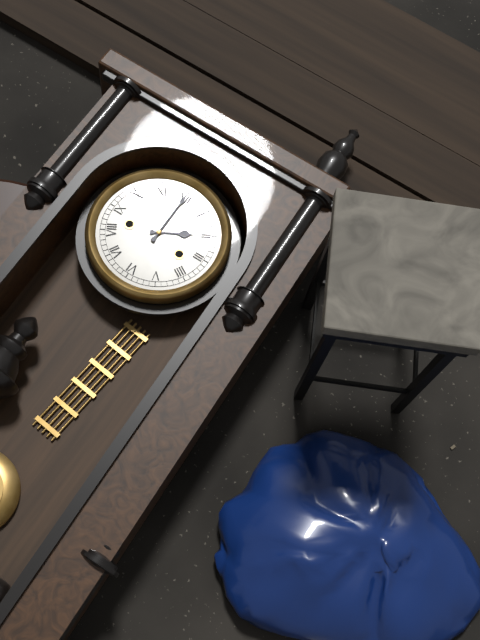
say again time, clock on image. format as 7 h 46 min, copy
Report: 2 h 00 min
